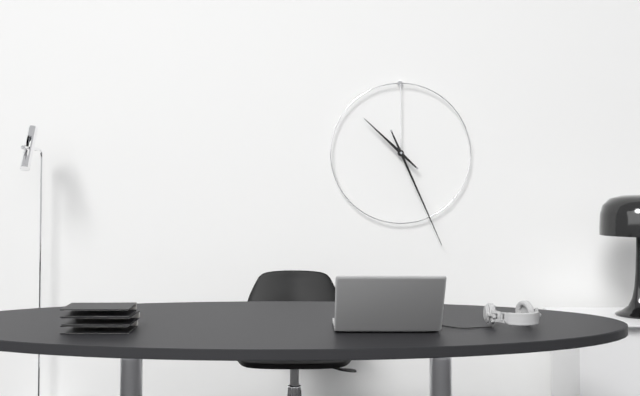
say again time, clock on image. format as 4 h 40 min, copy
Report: 10 h 26 min
